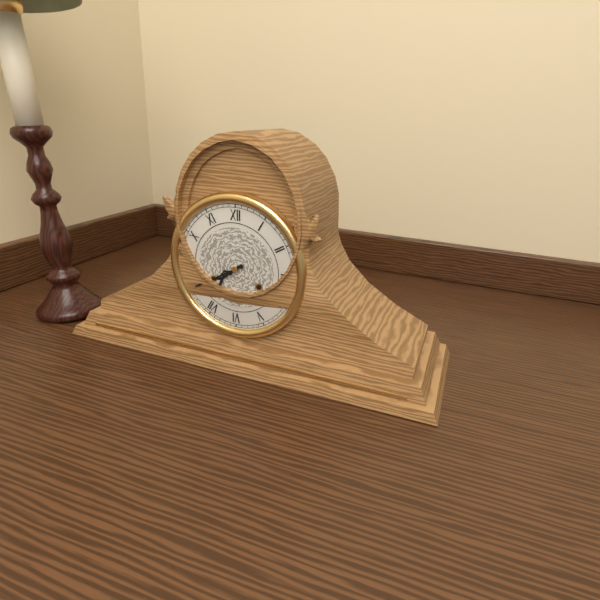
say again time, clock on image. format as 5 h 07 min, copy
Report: 7 h 40 min
